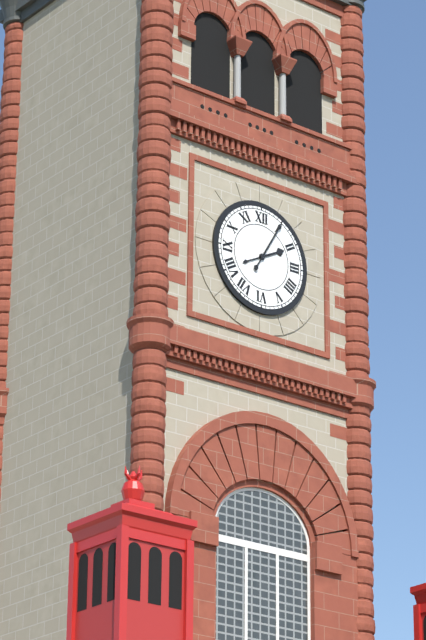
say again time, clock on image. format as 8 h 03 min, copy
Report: 2 h 05 min
